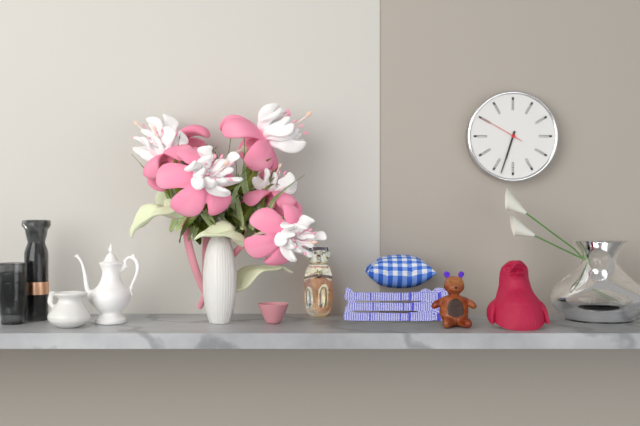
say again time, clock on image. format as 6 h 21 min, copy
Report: 6 h 33 min
